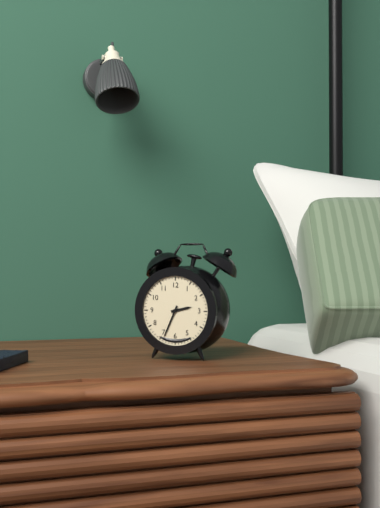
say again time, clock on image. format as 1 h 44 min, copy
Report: 2 h 34 min
